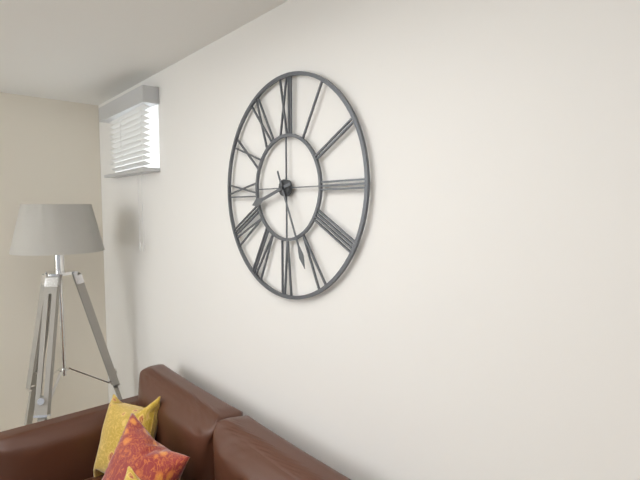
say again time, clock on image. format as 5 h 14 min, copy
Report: 8 h 26 min
